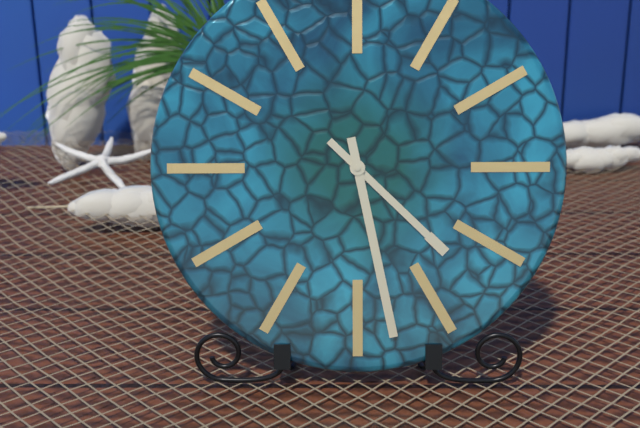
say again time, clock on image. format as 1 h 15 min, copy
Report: 4 h 28 min
